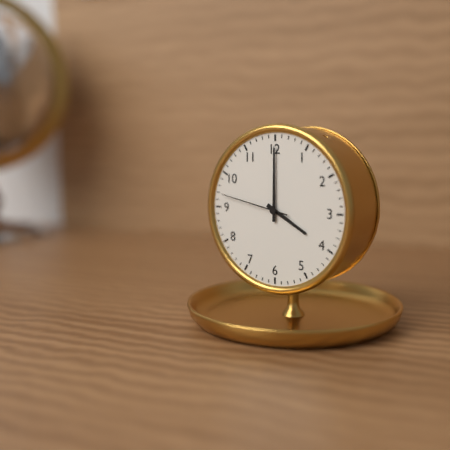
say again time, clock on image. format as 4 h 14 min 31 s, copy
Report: 4 h 00 min 47 s
